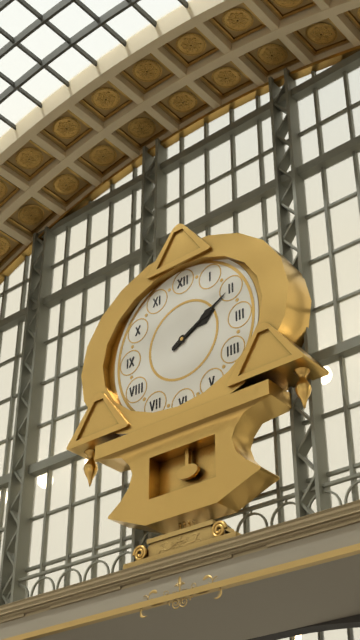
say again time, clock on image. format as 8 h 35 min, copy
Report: 2 h 10 min
